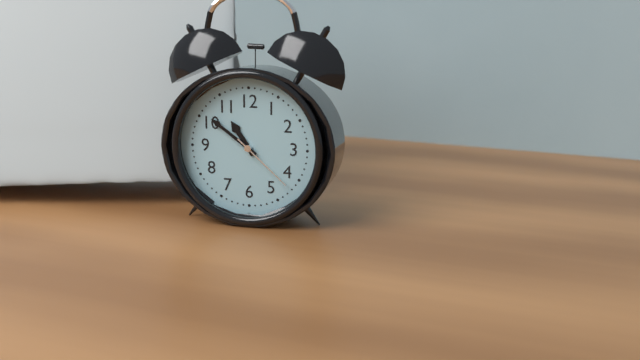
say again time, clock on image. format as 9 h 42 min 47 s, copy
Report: 10 h 51 min 22 s
